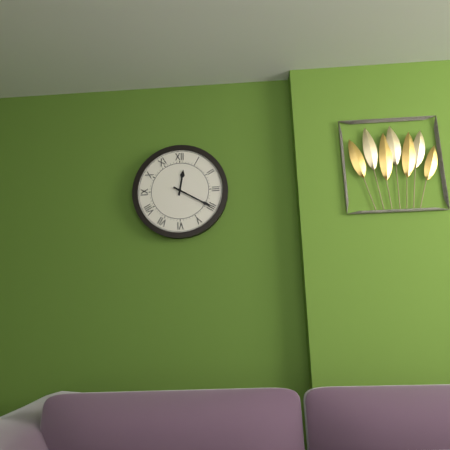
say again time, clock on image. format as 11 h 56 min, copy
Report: 12 h 20 min
